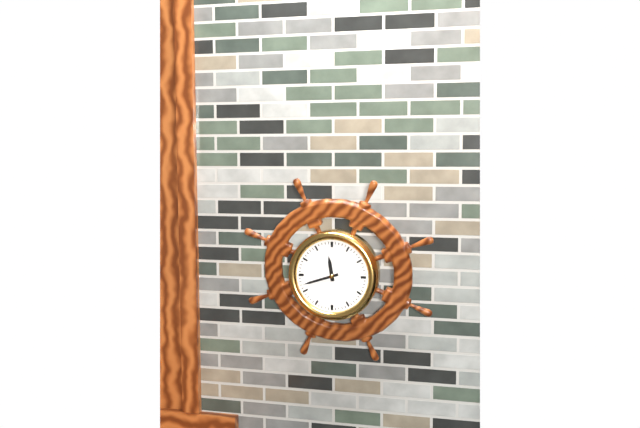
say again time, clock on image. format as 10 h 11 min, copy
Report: 11 h 42 min
